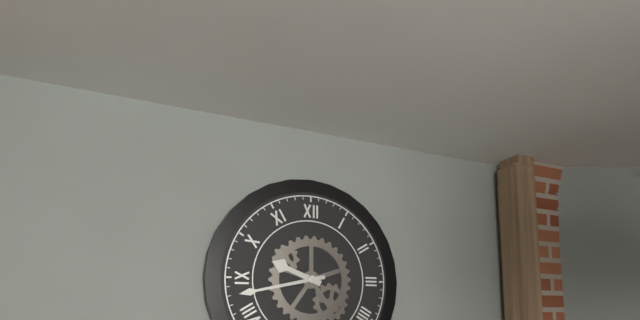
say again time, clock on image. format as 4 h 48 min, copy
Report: 9 h 43 min
